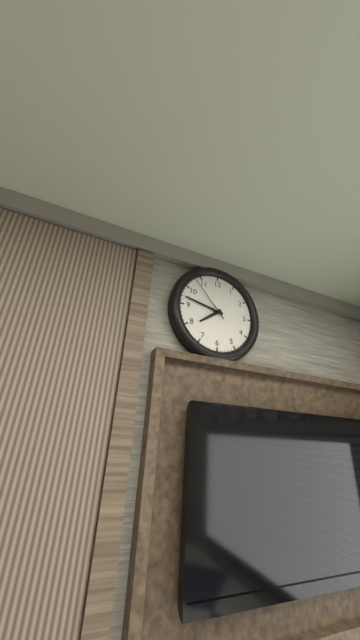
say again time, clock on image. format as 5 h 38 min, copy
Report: 7 h 47 min
